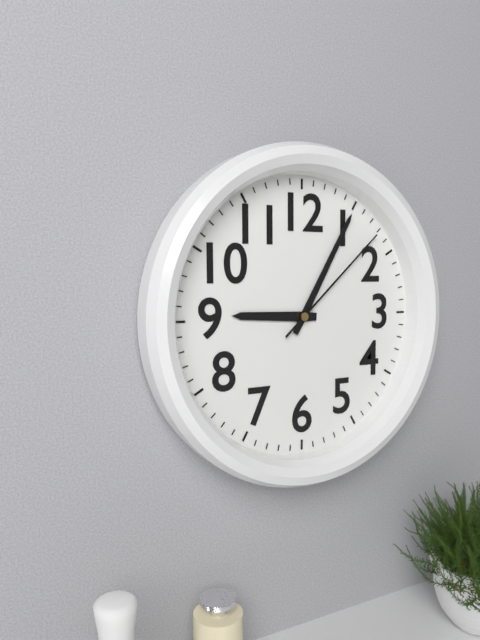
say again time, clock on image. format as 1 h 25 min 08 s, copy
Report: 9 h 05 min 08 s
